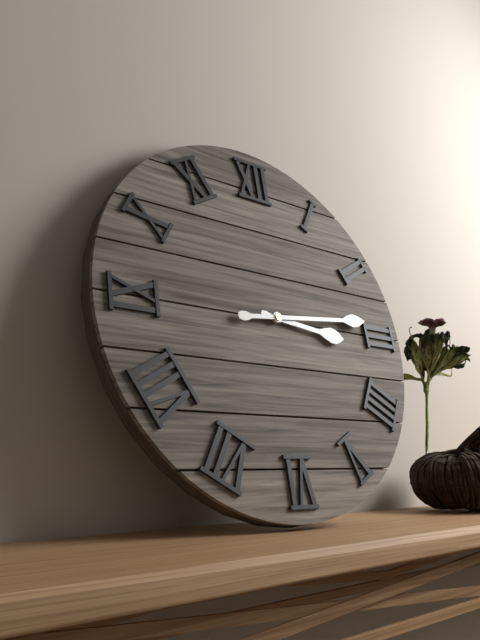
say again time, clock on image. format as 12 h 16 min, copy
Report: 3 h 14 min
